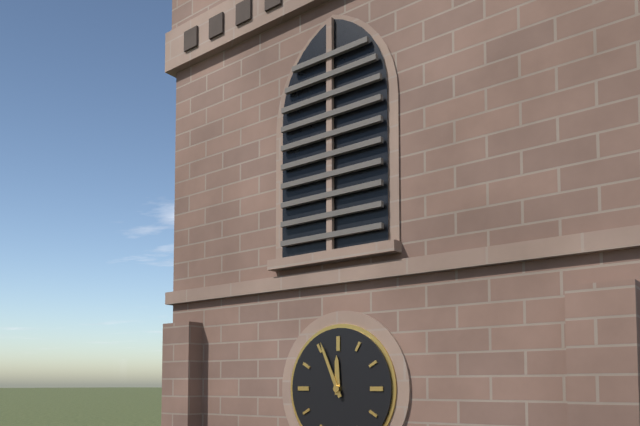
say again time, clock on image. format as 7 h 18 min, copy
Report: 11 h 56 min
